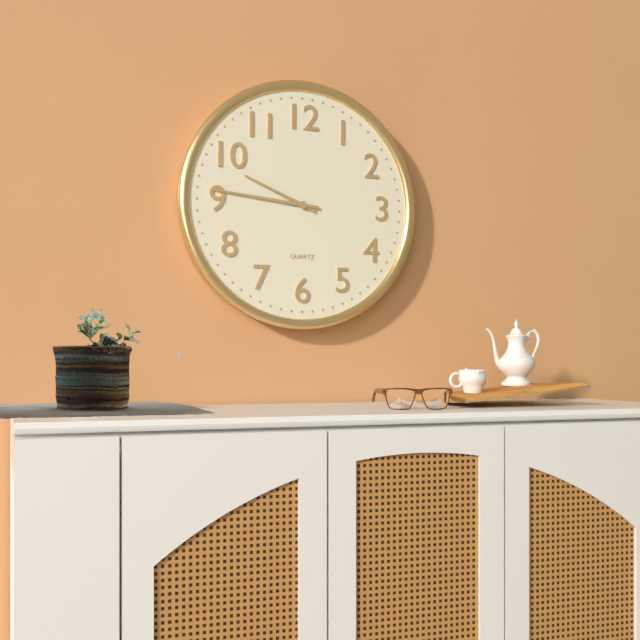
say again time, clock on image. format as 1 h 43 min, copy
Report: 9 h 46 min
